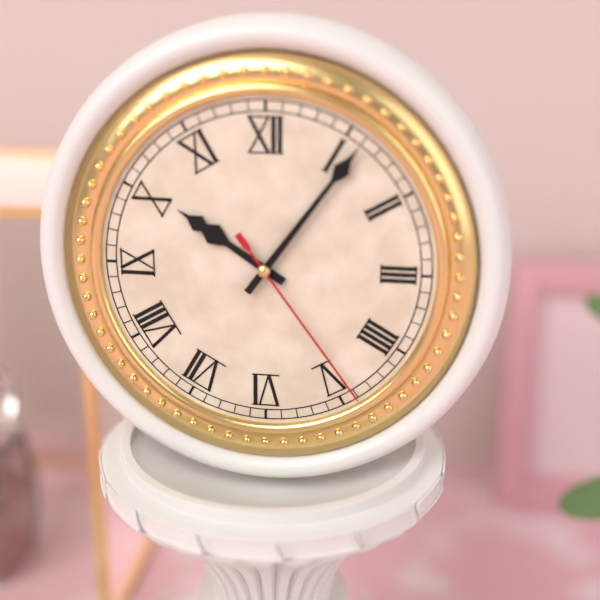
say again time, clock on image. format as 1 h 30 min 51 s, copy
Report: 10 h 06 min 24 s
